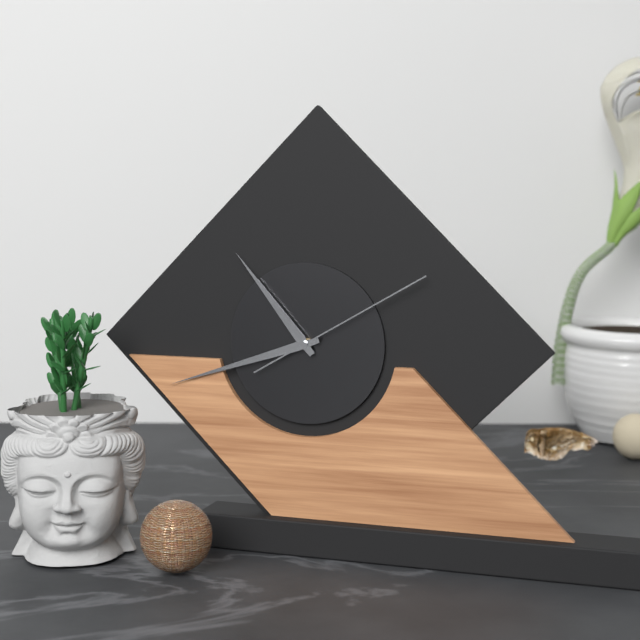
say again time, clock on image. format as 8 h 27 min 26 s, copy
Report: 10 h 42 min 10 s
